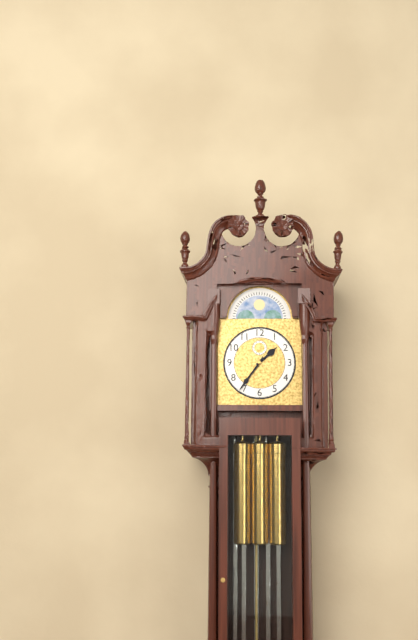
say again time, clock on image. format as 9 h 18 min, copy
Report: 1 h 36 min
